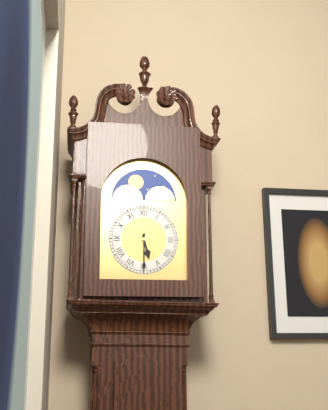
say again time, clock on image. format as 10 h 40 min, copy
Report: 5 h 30 min
